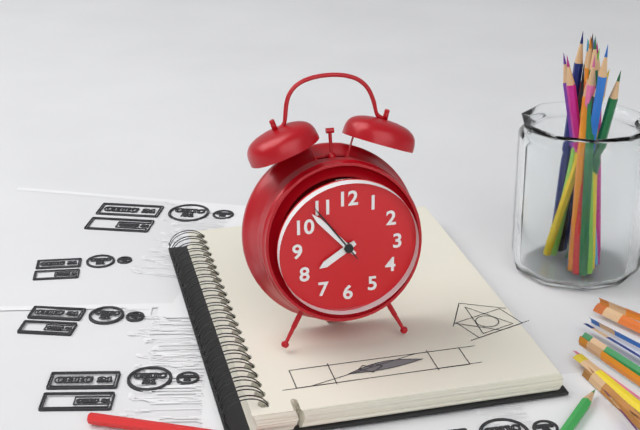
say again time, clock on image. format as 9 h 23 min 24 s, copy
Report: 7 h 53 min 54 s
